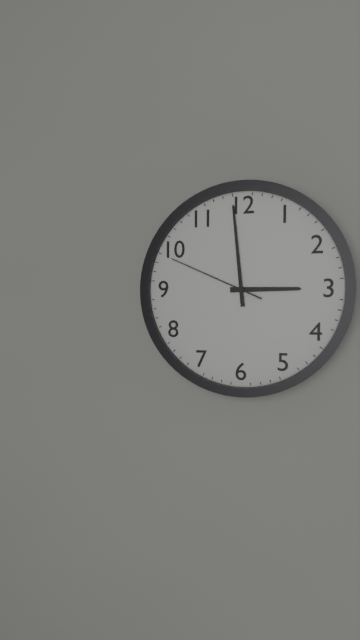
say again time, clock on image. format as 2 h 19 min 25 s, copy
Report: 2 h 59 min 49 s
